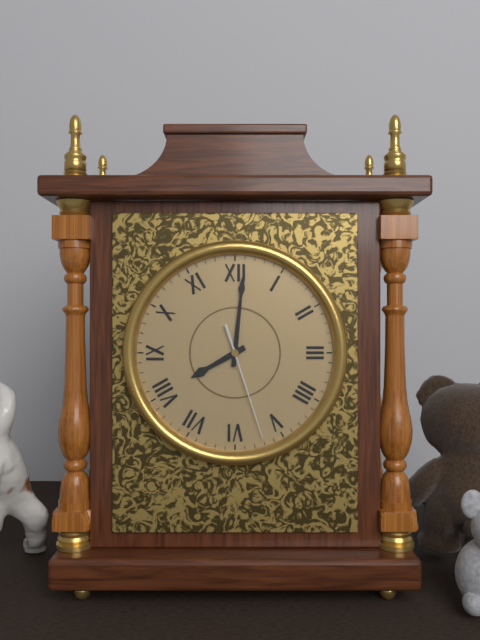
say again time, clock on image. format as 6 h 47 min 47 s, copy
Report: 8 h 01 min 27 s
